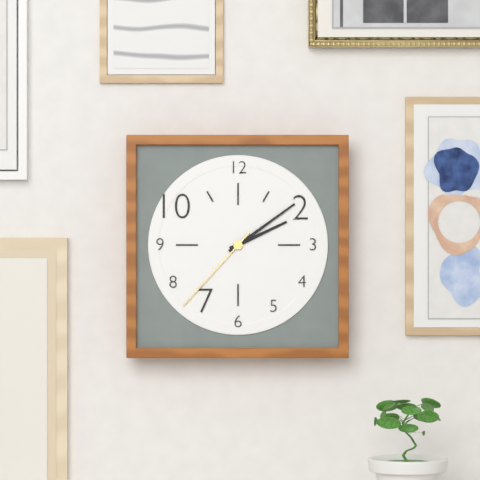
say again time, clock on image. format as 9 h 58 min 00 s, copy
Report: 2 h 09 min 37 s
